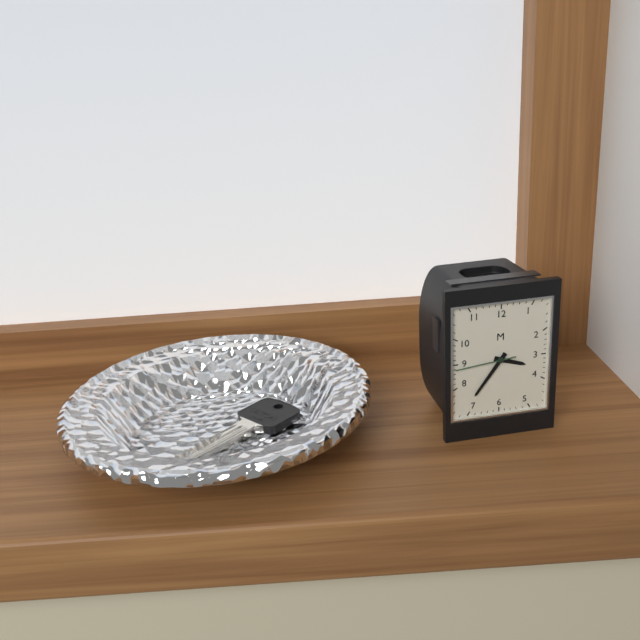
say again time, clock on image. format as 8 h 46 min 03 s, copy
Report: 3 h 36 min 44 s
